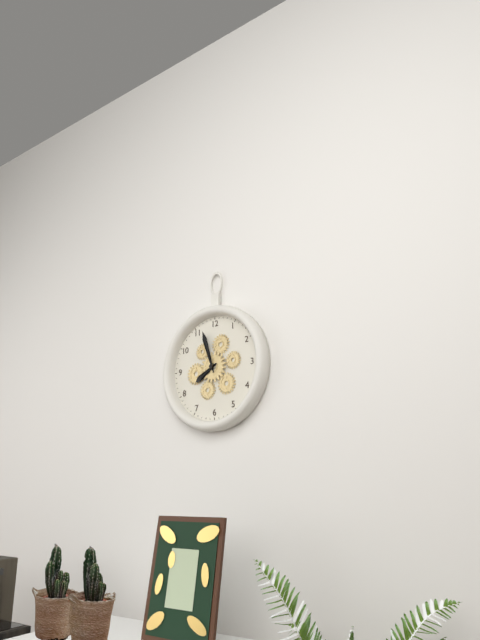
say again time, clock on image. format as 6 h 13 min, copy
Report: 7 h 57 min
